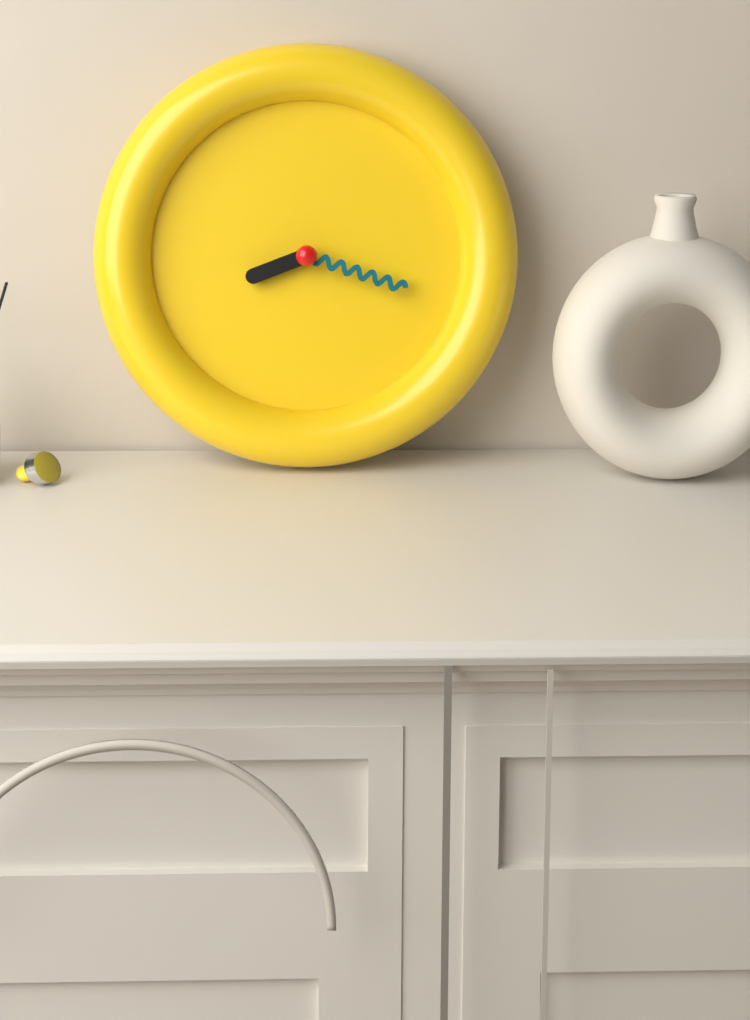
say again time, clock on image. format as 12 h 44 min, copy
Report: 8 h 18 min
